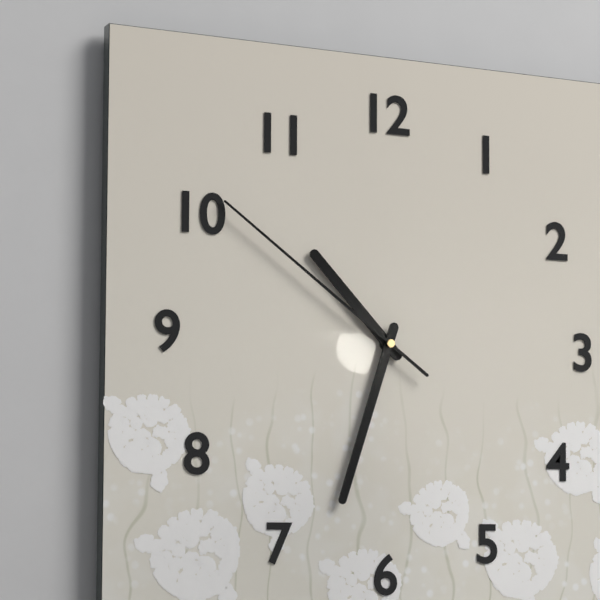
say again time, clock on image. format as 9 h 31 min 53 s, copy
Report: 10 h 33 min 51 s
